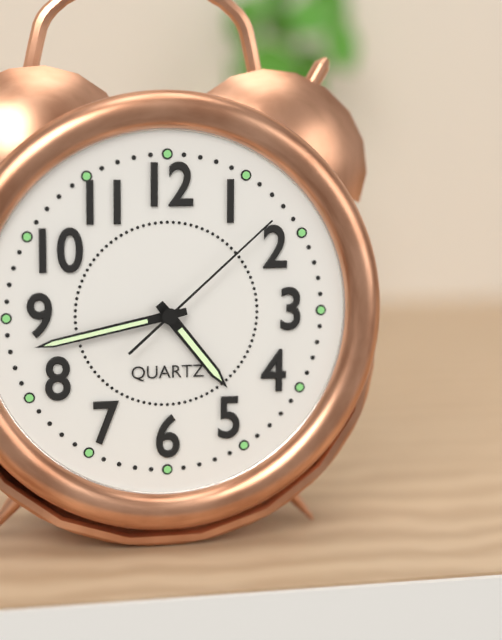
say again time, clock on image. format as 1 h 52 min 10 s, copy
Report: 4 h 43 min 08 s
